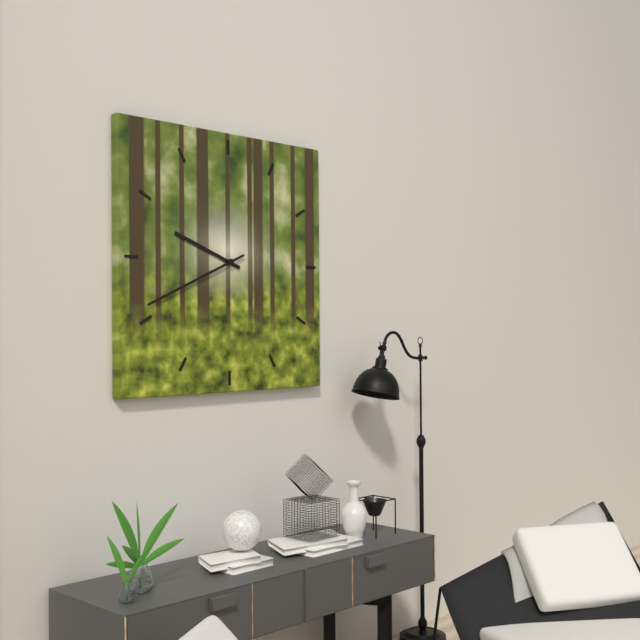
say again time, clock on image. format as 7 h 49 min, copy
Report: 9 h 41 min
